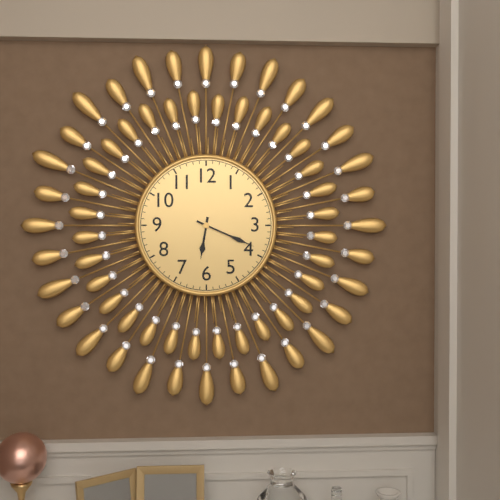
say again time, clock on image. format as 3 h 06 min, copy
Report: 6 h 19 min
